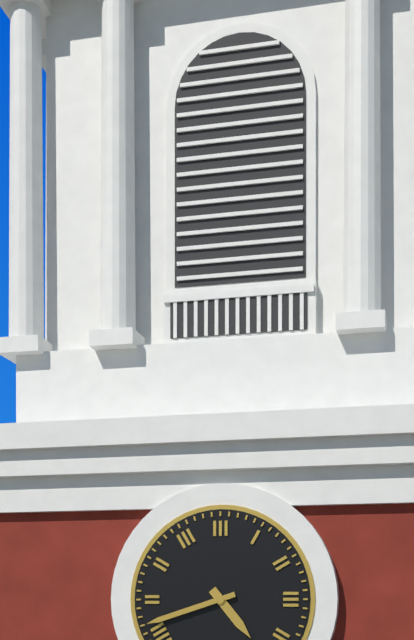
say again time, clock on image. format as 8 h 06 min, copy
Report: 4 h 42 min
